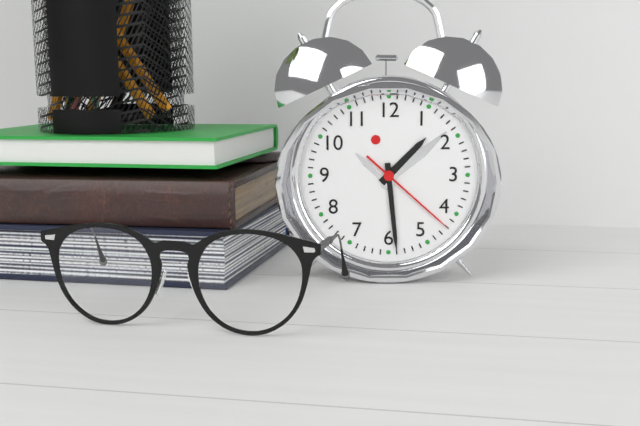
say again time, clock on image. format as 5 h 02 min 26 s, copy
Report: 1 h 29 min 22 s
